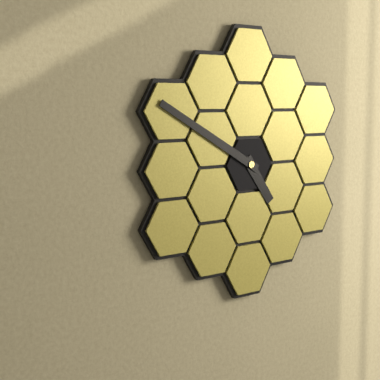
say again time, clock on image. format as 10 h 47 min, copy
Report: 4 h 50 min
